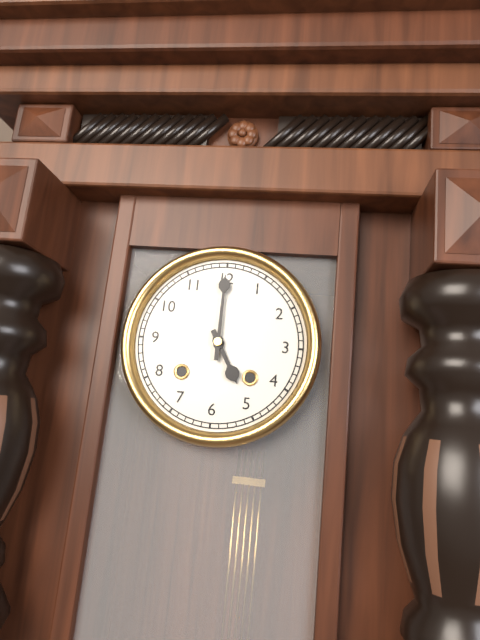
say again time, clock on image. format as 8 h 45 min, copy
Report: 5 h 00 min
